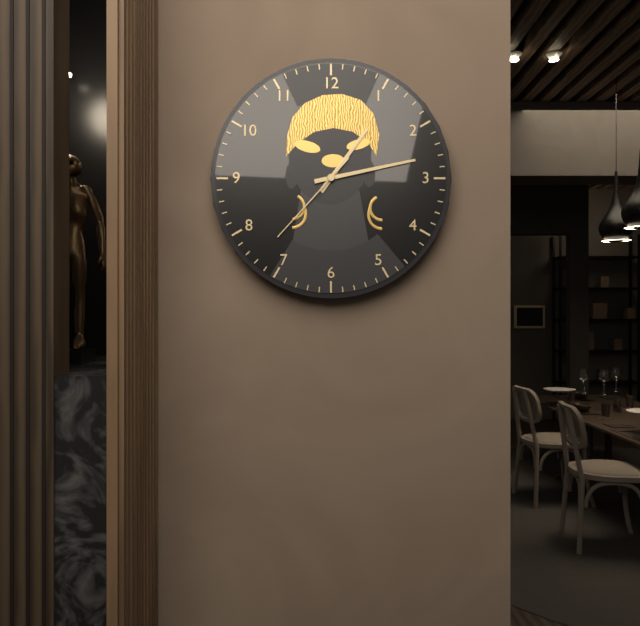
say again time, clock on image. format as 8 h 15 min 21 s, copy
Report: 1 h 13 min 37 s
